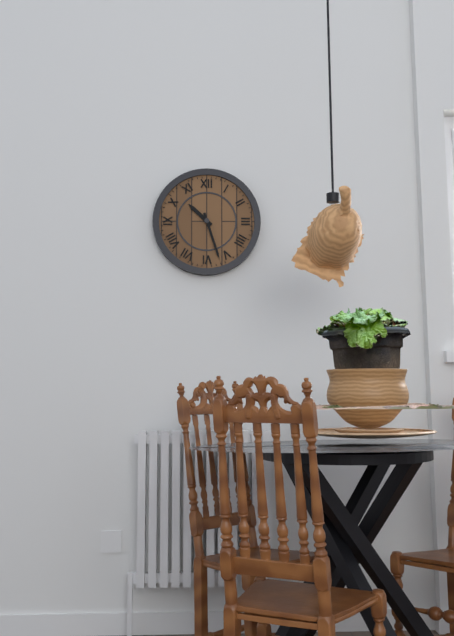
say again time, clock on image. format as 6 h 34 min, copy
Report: 10 h 27 min
